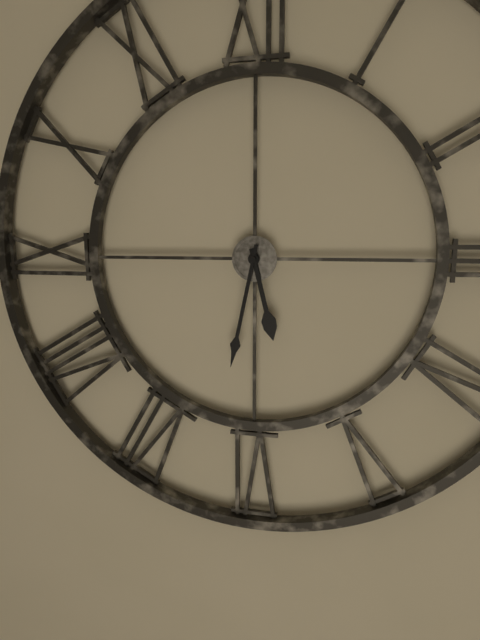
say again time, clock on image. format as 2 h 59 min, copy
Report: 5 h 32 min
